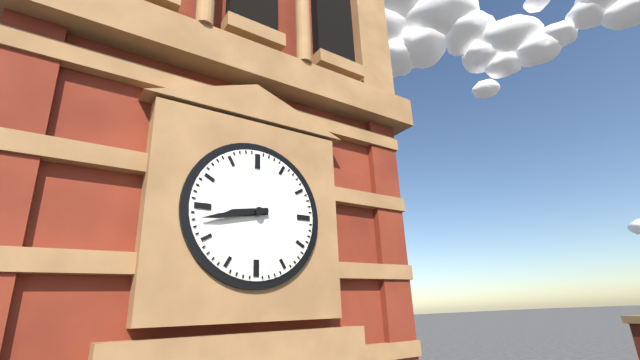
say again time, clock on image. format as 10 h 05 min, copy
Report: 8 h 43 min
